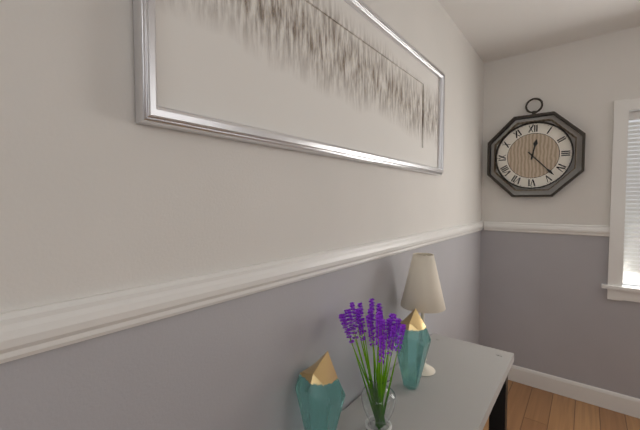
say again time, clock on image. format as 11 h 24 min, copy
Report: 12 h 23 min
